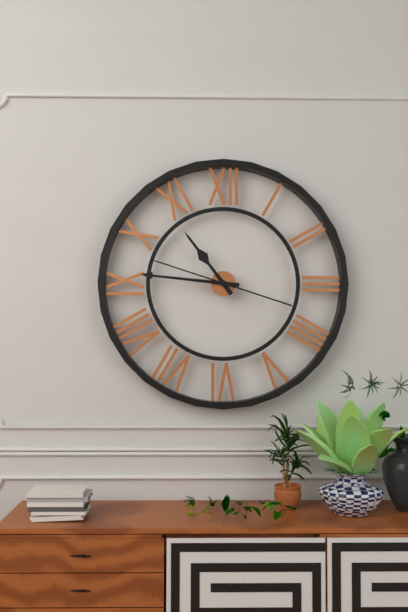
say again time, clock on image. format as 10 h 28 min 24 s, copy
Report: 10 h 46 min 48 s
